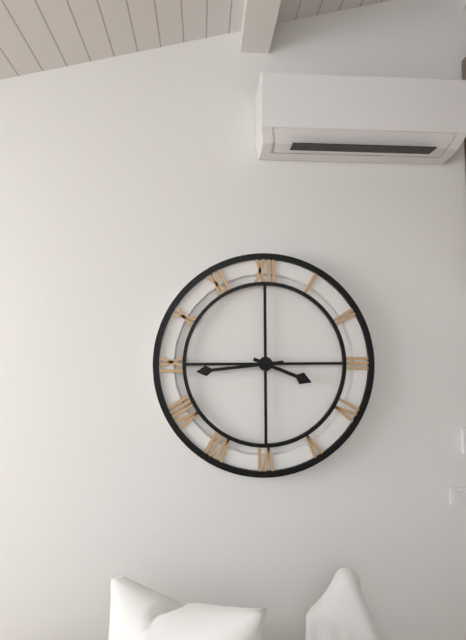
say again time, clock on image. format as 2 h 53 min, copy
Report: 3 h 44 min
